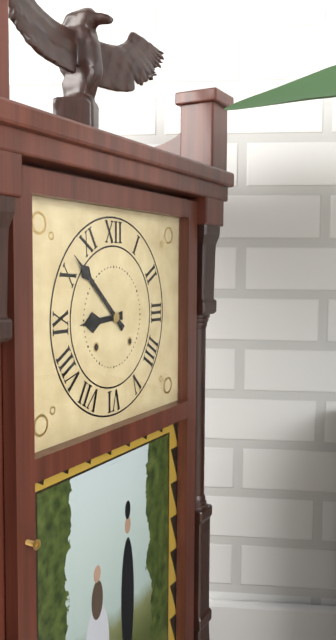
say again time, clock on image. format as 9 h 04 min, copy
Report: 8 h 52 min
